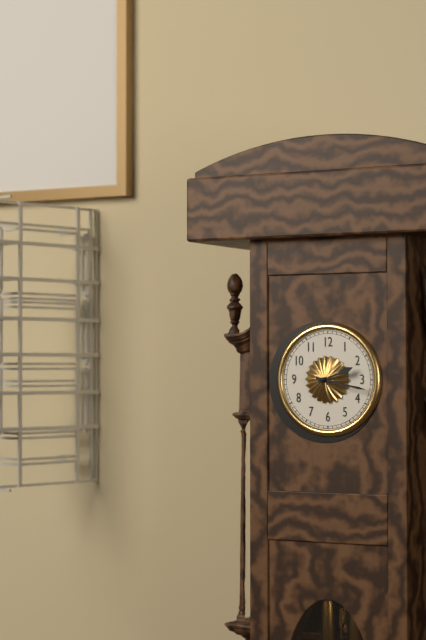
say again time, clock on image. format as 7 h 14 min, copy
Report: 2 h 17 min
